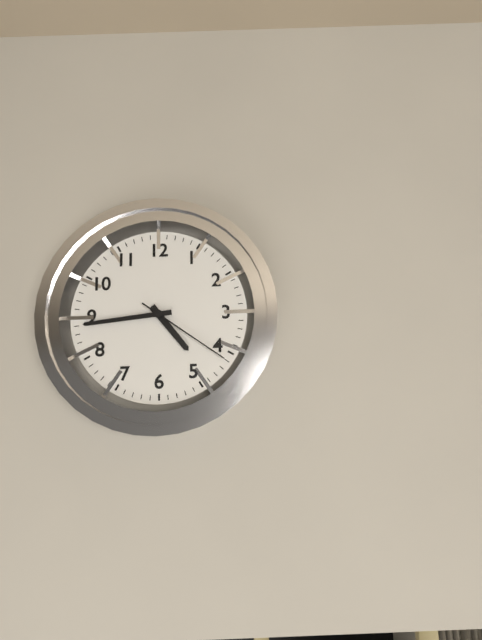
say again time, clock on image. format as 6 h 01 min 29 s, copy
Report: 4 h 44 min 21 s
